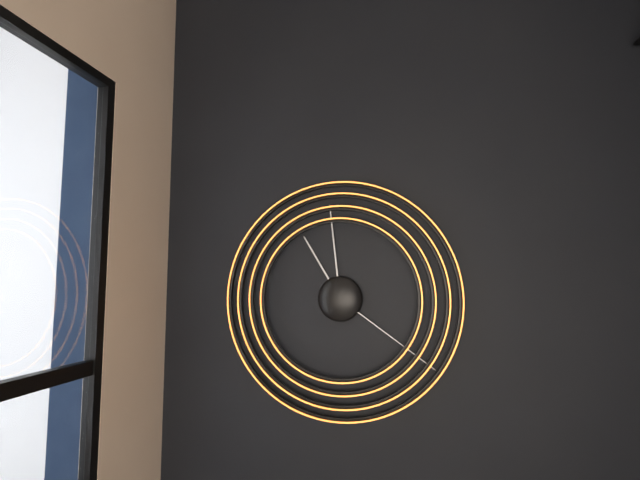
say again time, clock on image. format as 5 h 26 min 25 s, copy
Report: 10 h 59 min 21 s
